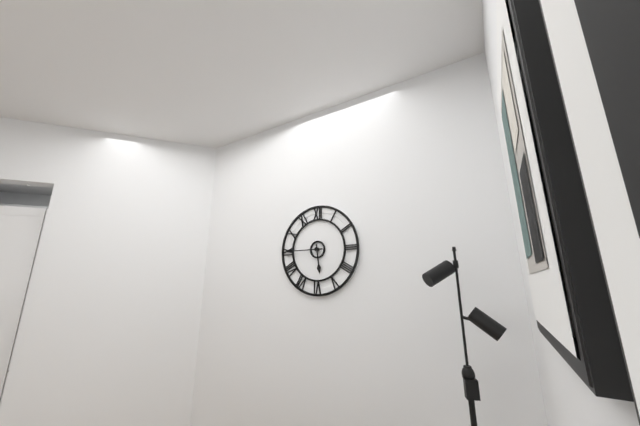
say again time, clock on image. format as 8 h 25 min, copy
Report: 5 h 45 min
